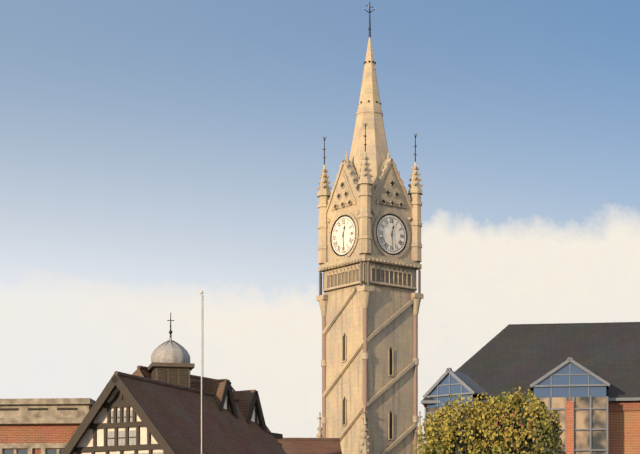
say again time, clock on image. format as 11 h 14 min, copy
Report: 12 h 29 min
